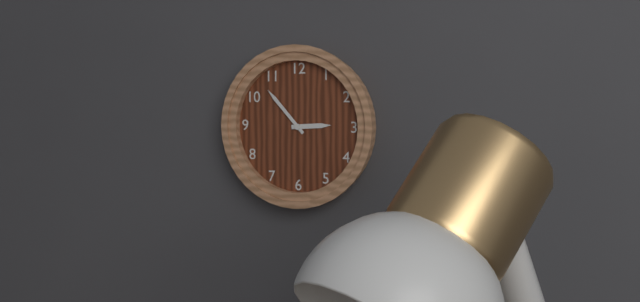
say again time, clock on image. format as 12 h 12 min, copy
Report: 2 h 53 min
